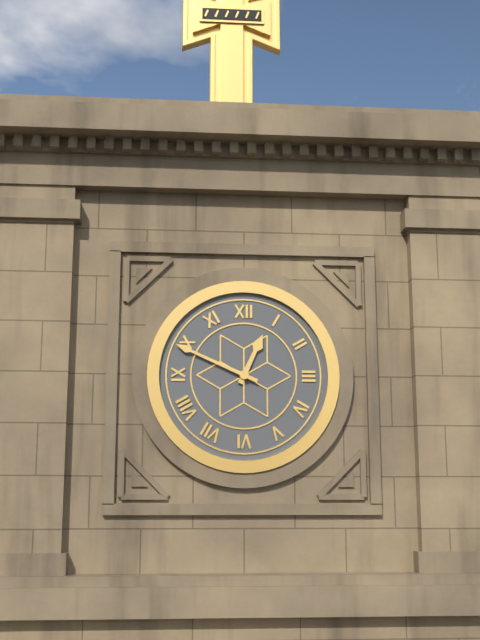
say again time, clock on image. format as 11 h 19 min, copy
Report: 12 h 49 min
